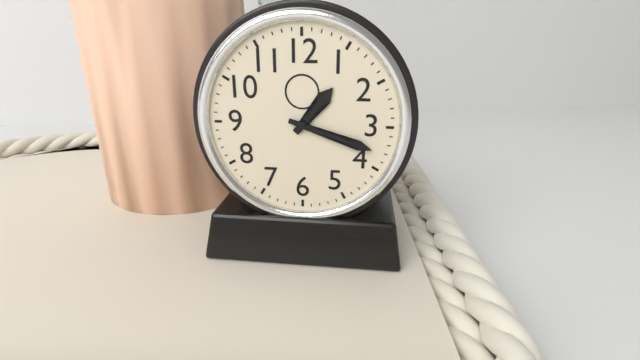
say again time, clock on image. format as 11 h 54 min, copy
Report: 1 h 18 min
